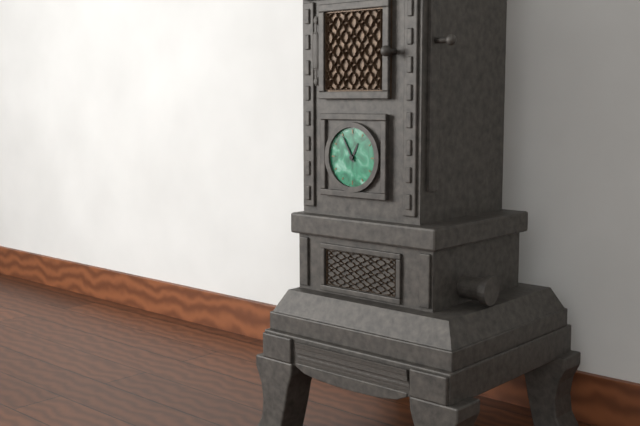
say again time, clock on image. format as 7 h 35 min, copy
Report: 12 h 55 min
